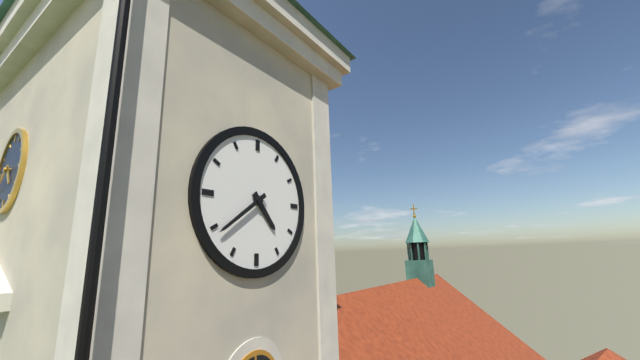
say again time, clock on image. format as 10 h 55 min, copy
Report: 4 h 39 min
